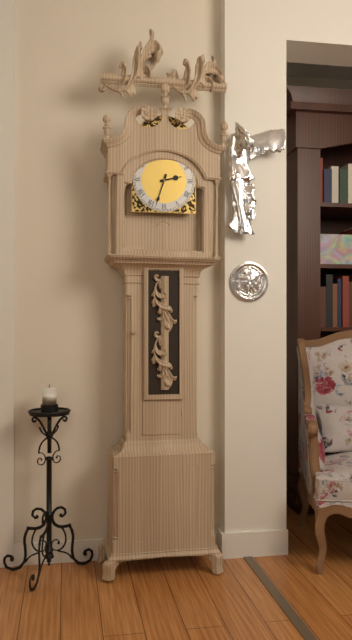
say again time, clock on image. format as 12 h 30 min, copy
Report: 2 h 33 min
